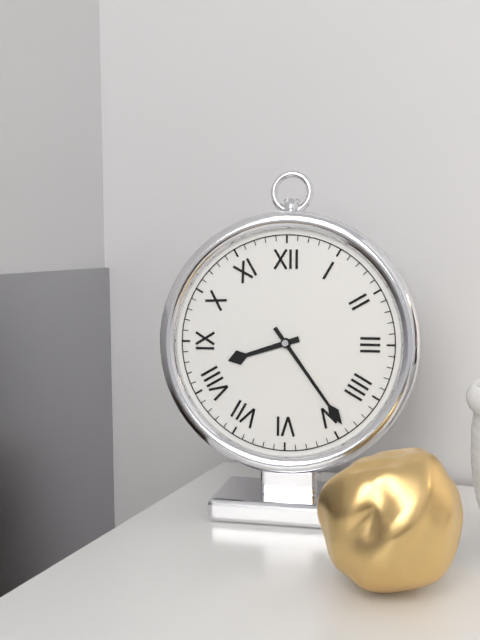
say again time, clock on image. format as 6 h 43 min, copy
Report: 8 h 24 min
